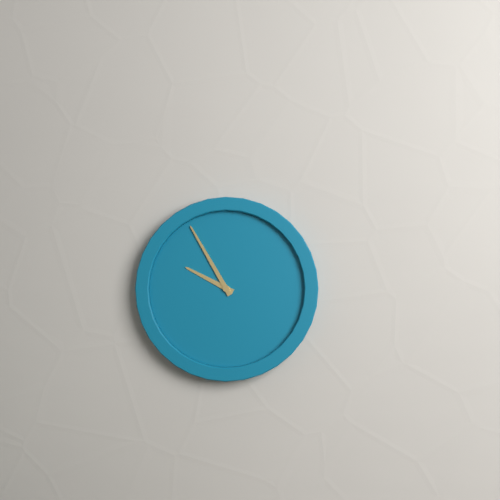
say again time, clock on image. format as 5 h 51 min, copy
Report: 9 h 55 min
